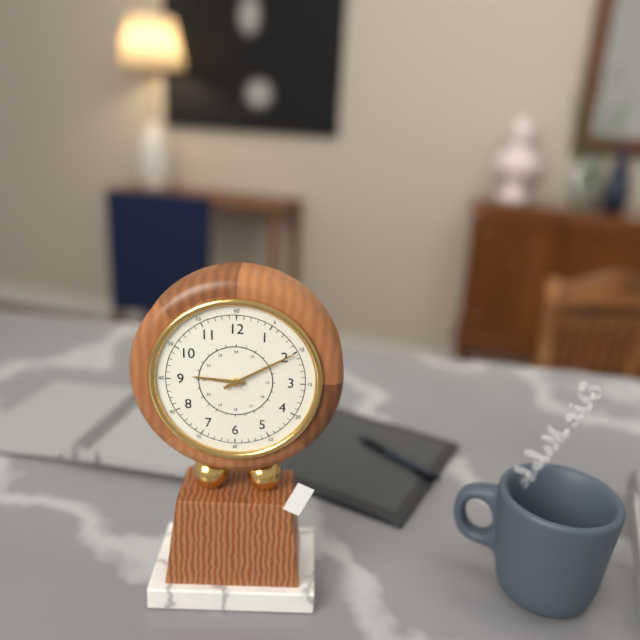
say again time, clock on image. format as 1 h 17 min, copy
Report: 9 h 10 min
